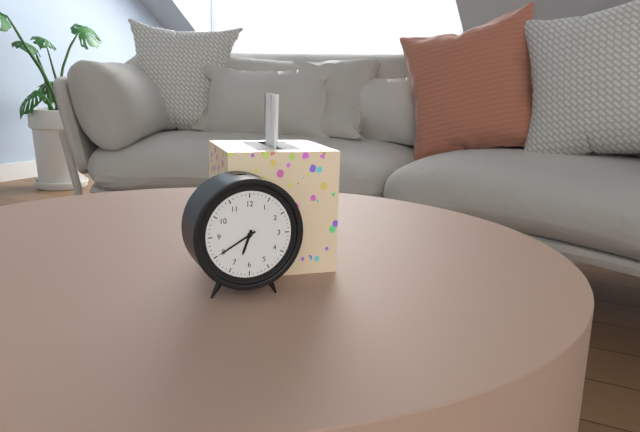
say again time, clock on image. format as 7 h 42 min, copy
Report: 6 h 40 min
